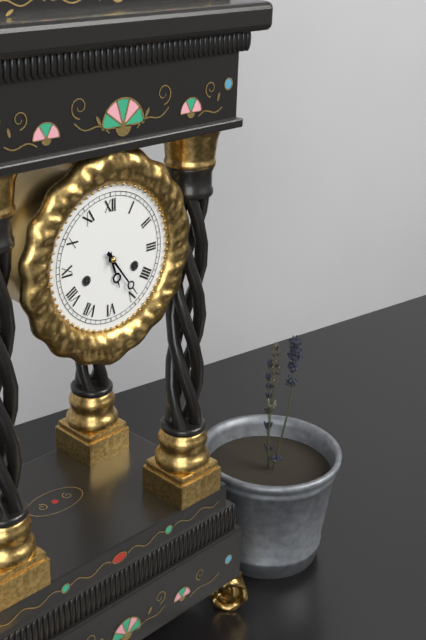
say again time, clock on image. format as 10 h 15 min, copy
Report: 5 h 24 min
